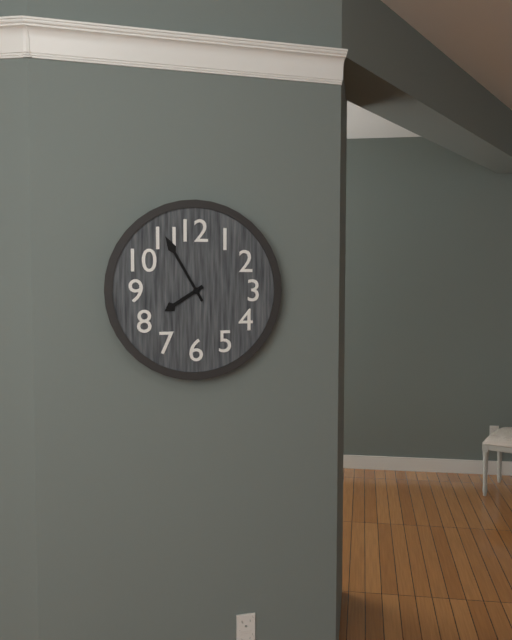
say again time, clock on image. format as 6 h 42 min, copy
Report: 7 h 55 min
